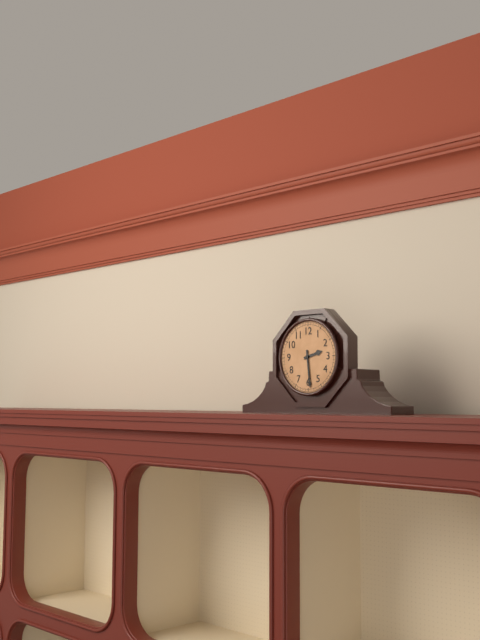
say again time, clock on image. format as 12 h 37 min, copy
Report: 2 h 29 min
